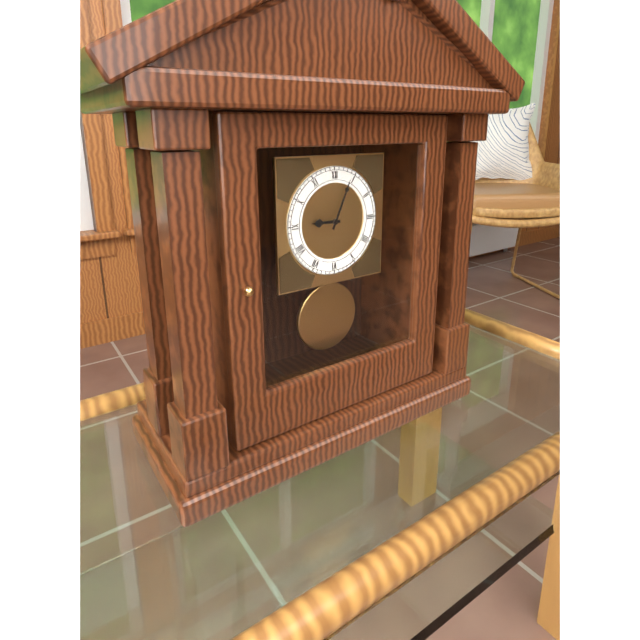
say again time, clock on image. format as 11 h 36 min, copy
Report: 9 h 04 min
